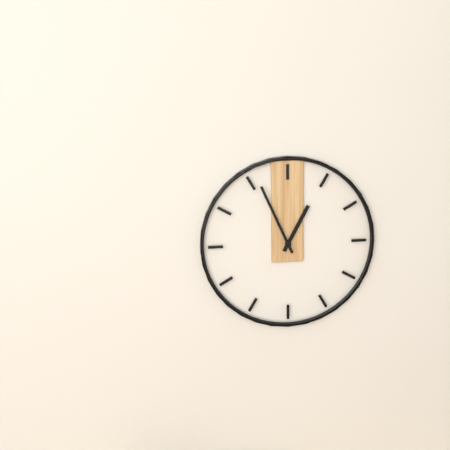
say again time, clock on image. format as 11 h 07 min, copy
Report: 12 h 56 min
